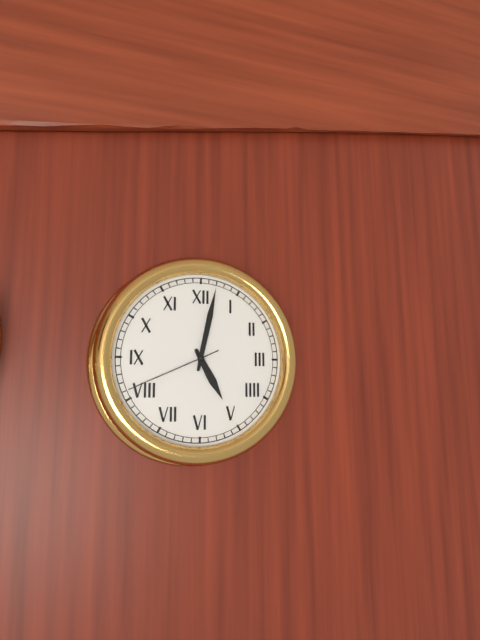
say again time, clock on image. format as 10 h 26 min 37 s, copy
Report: 5 h 02 min 41 s
